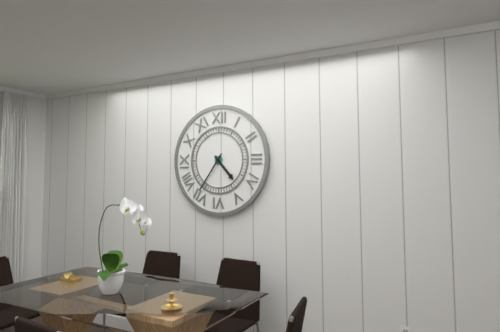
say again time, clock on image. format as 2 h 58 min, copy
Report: 4 h 36 min
